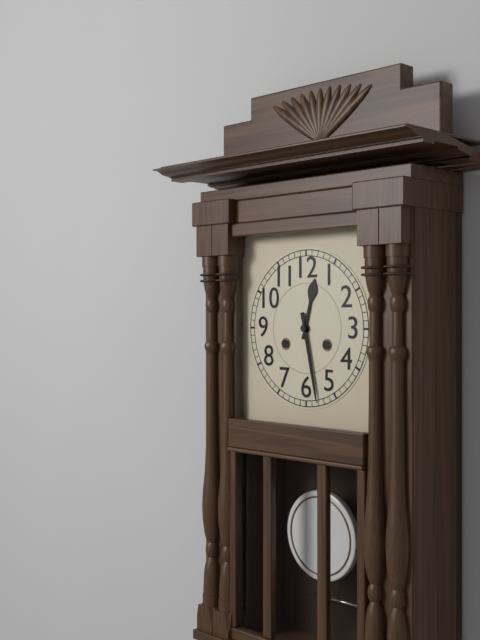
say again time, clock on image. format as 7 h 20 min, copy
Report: 12 h 28 min
